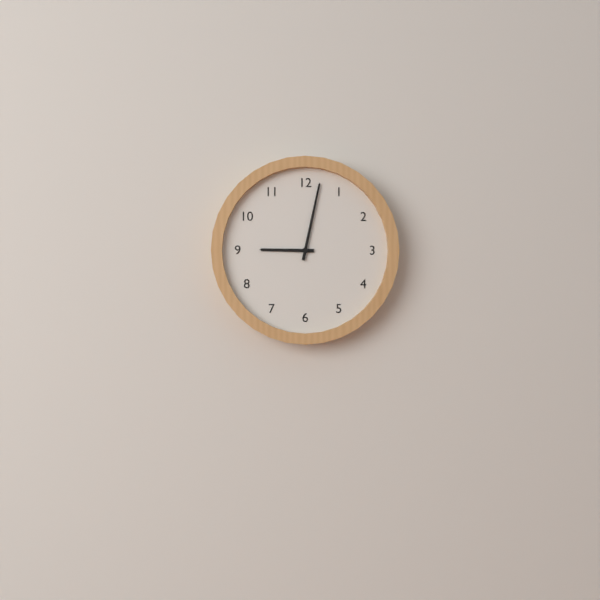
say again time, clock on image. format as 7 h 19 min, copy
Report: 9 h 02 min
